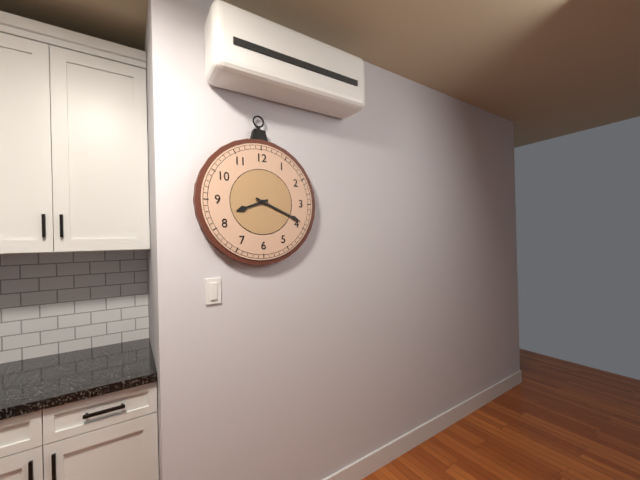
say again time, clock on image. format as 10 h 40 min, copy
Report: 8 h 19 min
